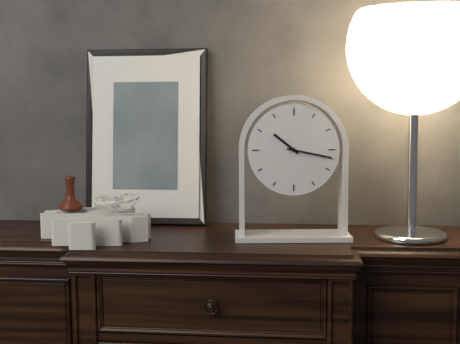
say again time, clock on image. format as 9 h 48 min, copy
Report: 10 h 17 min
